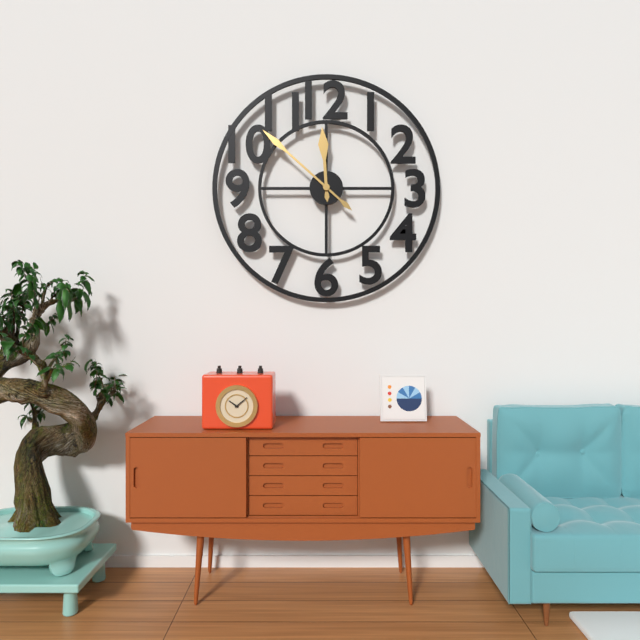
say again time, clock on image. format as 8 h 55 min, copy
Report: 11 h 52 min
